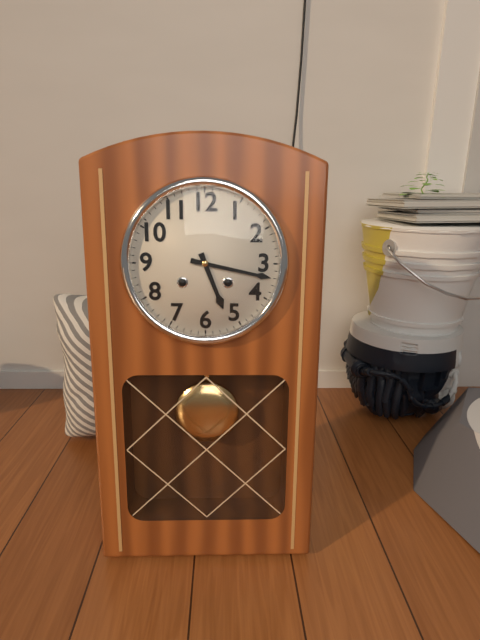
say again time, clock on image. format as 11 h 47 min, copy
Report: 5 h 17 min
